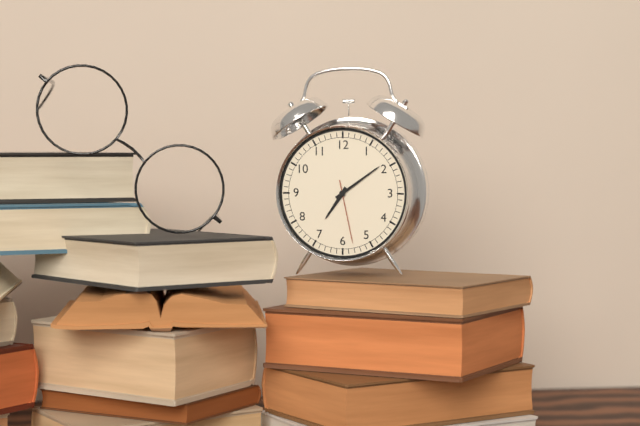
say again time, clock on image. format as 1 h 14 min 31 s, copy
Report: 7 h 09 min 28 s
